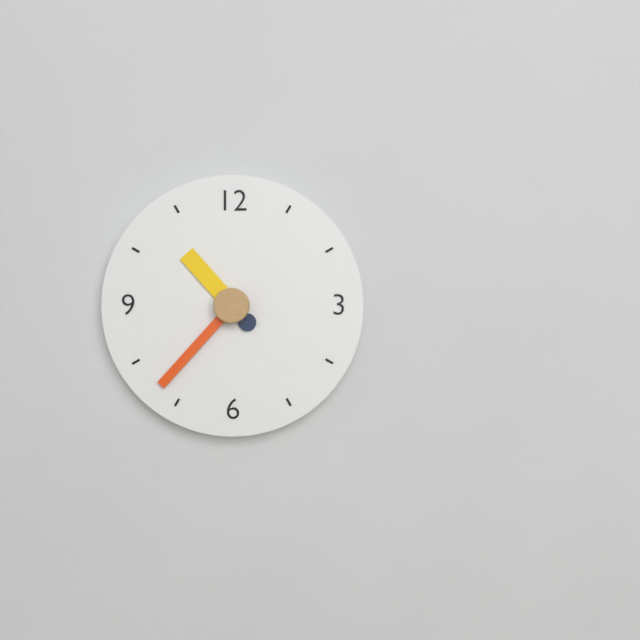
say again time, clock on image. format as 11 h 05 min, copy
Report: 10 h 37 min
